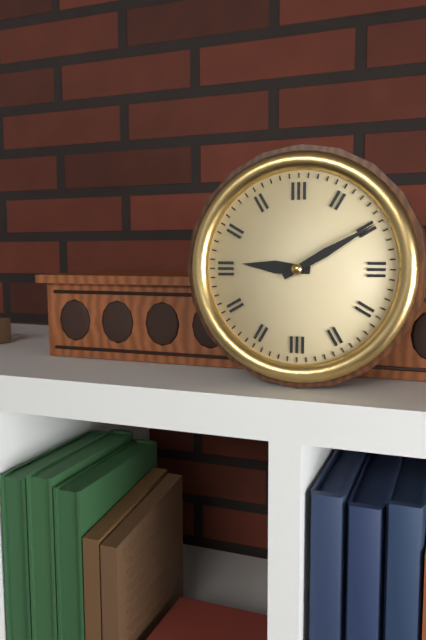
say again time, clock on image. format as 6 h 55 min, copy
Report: 9 h 10 min
